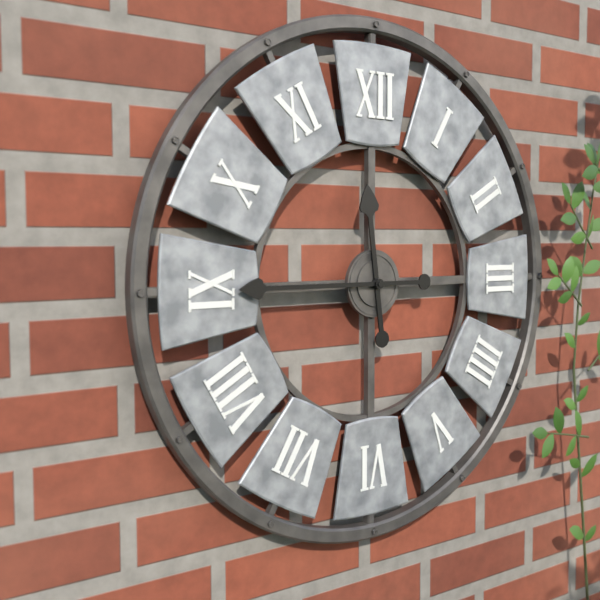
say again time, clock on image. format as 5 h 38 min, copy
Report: 11 h 45 min
